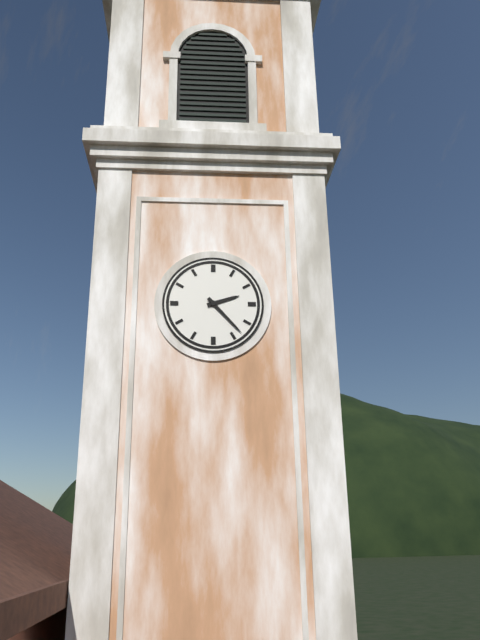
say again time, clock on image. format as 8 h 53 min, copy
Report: 2 h 23 min
